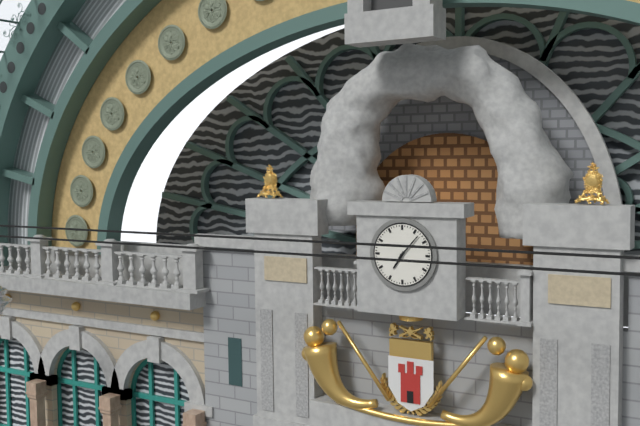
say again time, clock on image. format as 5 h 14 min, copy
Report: 7 h 07 min
